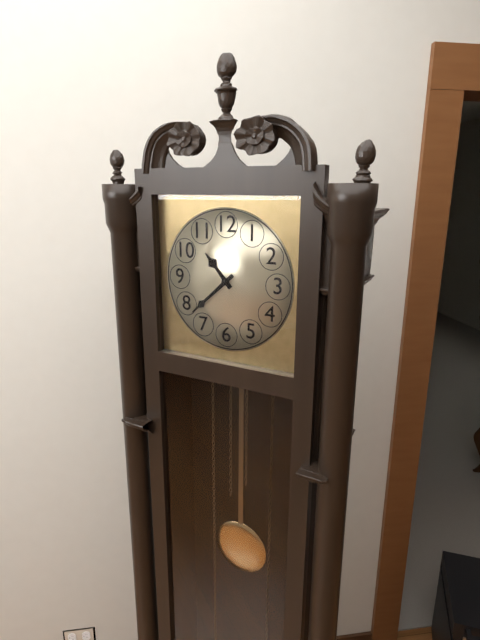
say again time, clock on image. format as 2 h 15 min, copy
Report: 10 h 38 min
